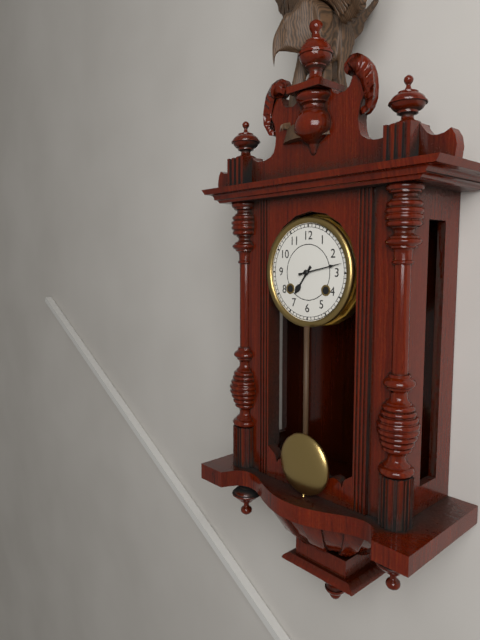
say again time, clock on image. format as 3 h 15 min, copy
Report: 7 h 13 min
